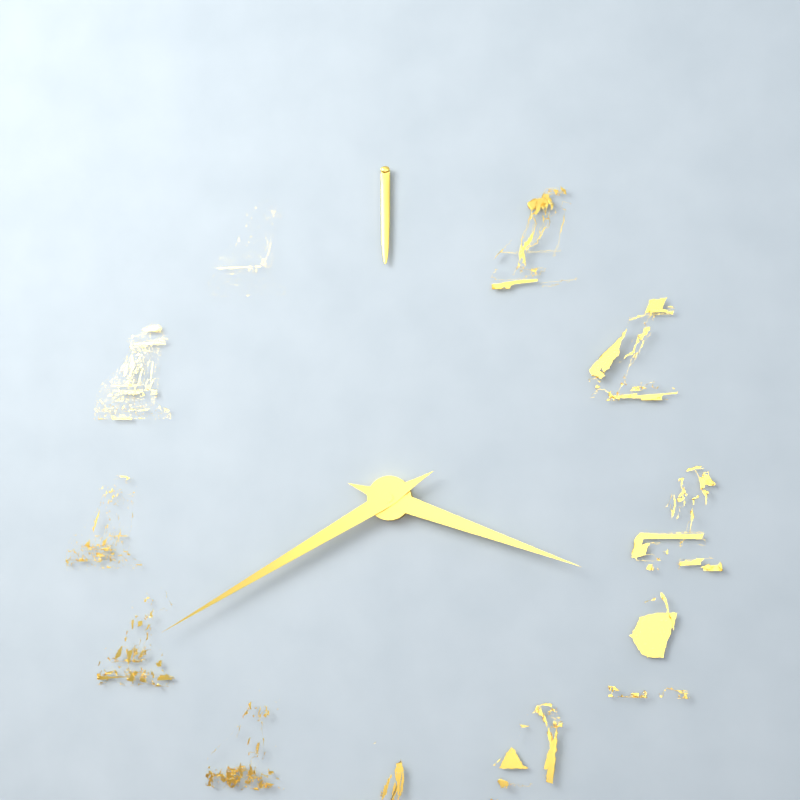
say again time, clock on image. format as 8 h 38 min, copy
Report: 3 h 40 min
